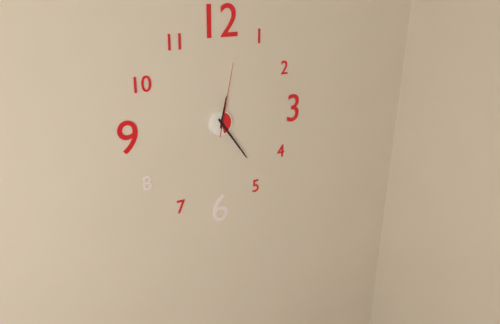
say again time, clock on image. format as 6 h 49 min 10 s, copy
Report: 12 h 24 min 02 s
